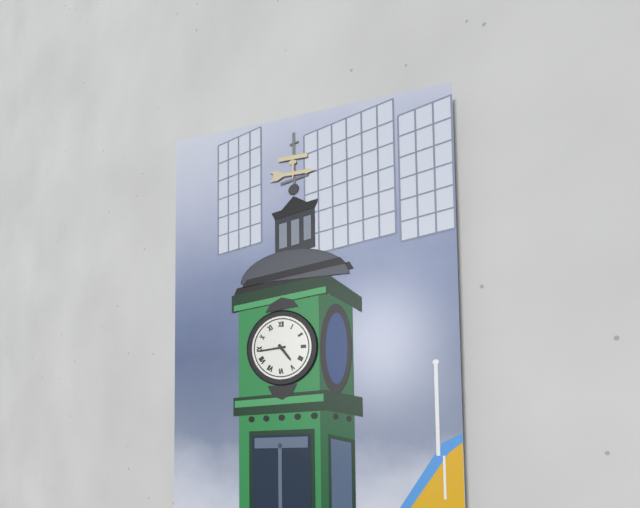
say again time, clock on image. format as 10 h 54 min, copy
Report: 4 h 44 min
